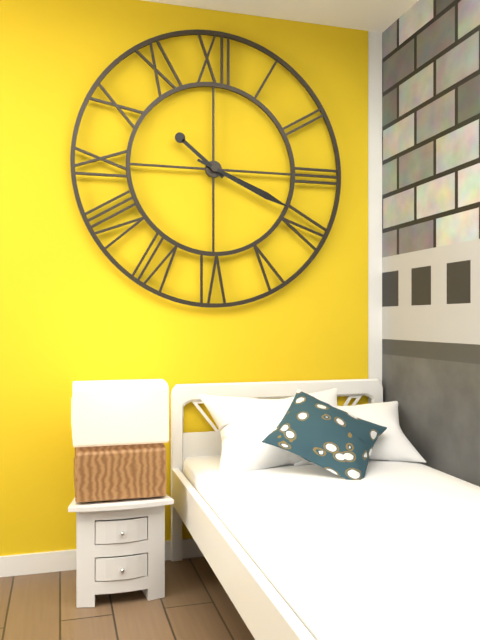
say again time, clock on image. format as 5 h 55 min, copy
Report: 10 h 19 min
